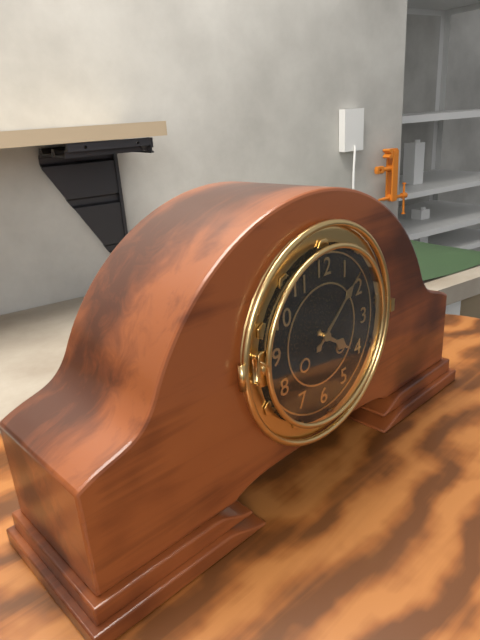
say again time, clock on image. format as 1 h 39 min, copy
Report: 4 h 08 min
